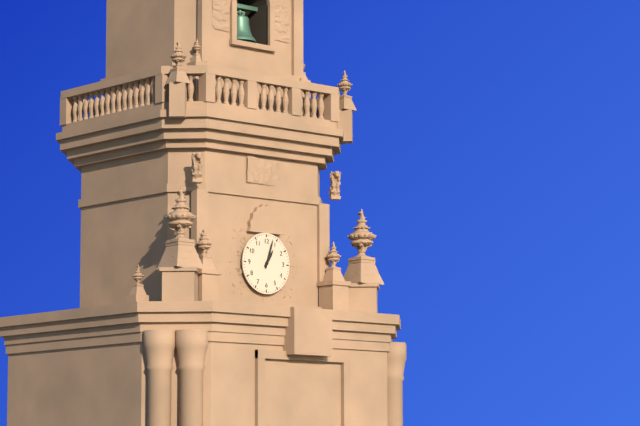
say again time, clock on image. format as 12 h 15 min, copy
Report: 1 h 03 min
